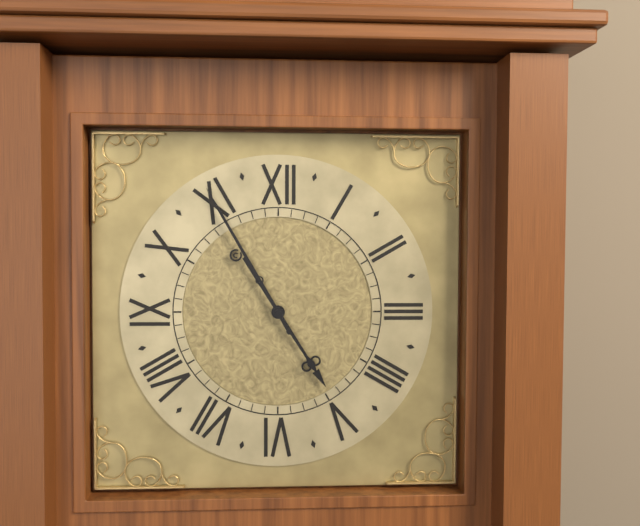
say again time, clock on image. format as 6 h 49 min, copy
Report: 4 h 55 min
